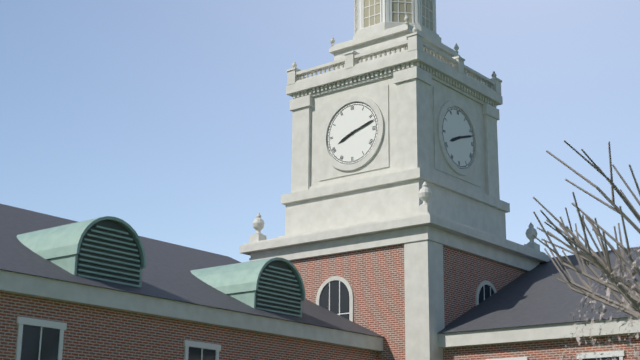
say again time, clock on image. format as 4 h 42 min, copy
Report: 8 h 12 min
